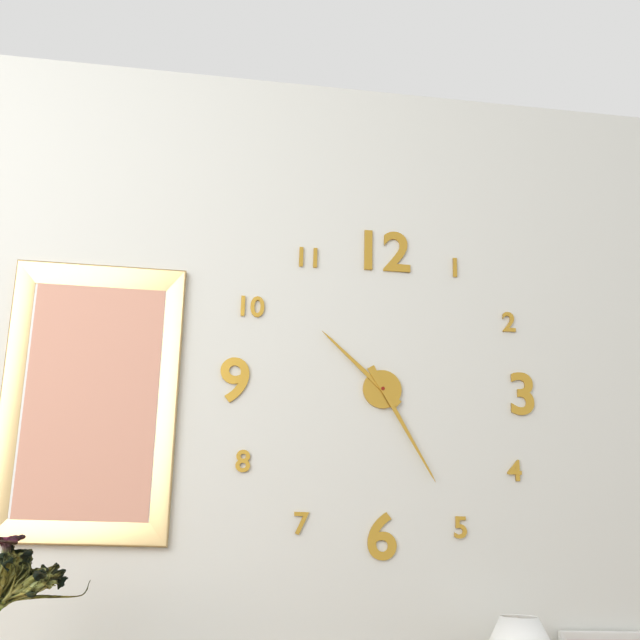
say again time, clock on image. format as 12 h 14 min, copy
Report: 10 h 25 min
